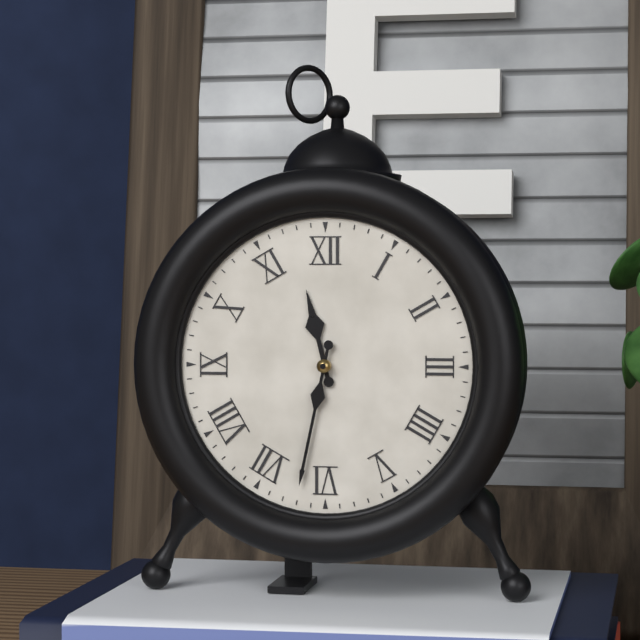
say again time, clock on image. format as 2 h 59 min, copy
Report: 11 h 32 min
